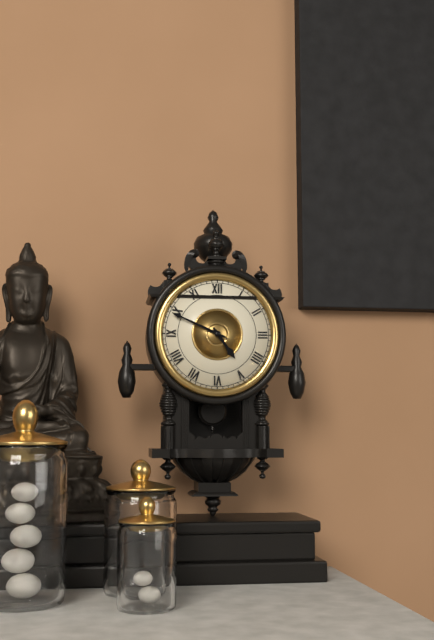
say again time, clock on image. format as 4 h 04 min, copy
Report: 4 h 49 min
